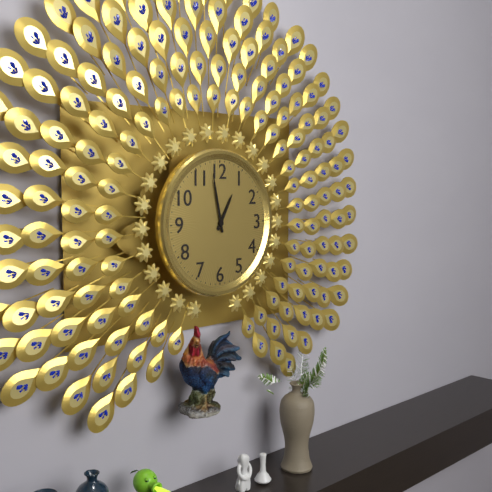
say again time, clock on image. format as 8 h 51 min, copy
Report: 12 h 58 min
